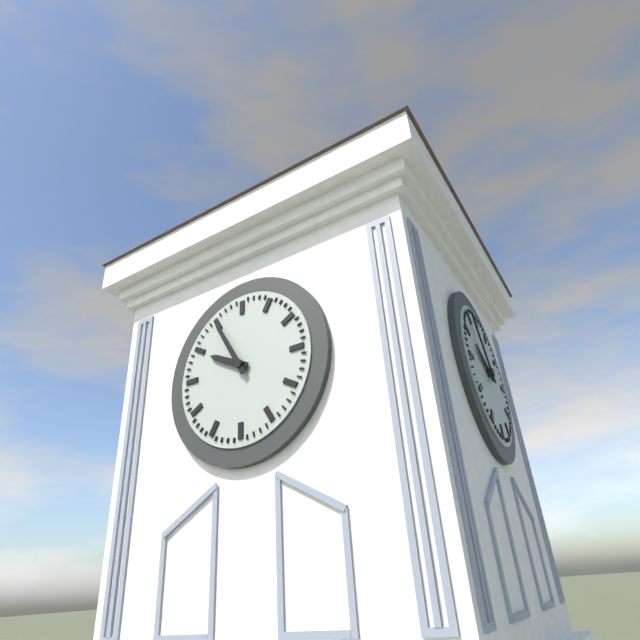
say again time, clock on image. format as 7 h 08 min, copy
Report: 9 h 55 min
